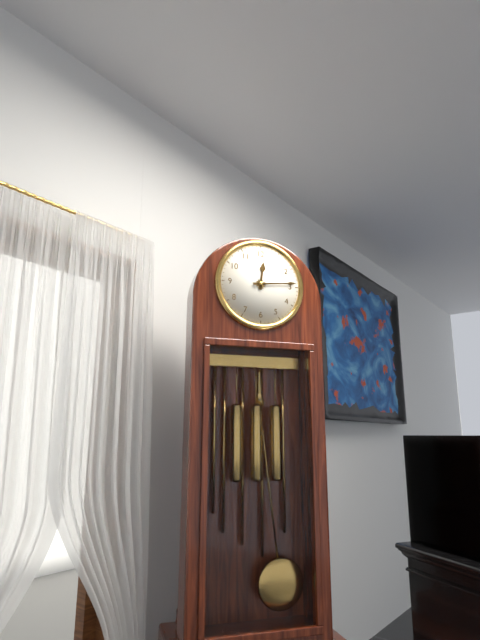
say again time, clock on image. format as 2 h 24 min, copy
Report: 12 h 14 min
